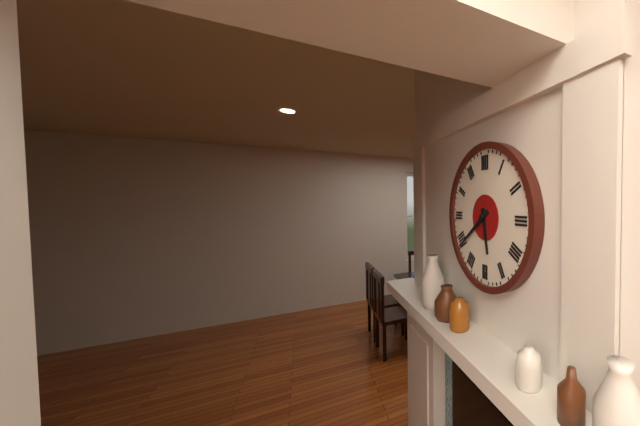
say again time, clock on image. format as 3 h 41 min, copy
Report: 5 h 39 min
